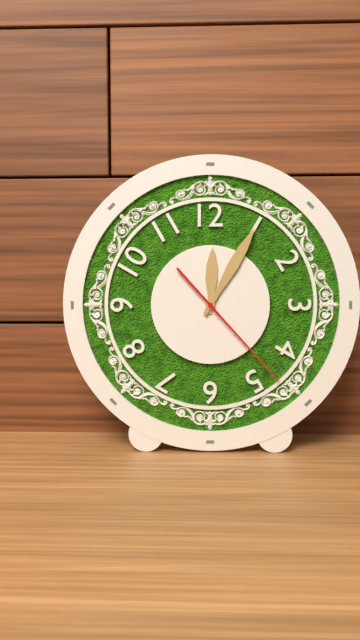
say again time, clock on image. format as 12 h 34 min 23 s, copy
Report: 12 h 05 min 23 s
